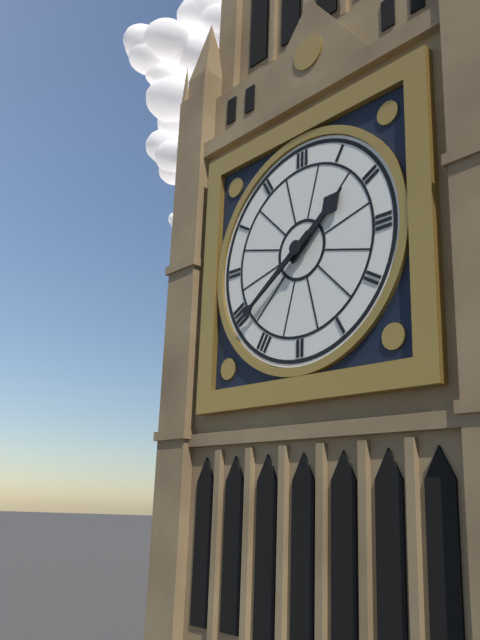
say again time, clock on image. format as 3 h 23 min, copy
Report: 1 h 39 min
